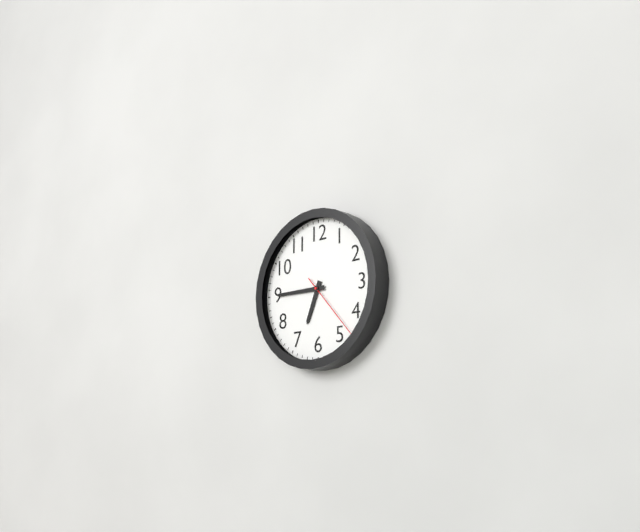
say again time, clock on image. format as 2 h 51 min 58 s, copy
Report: 6 h 45 min 23 s
